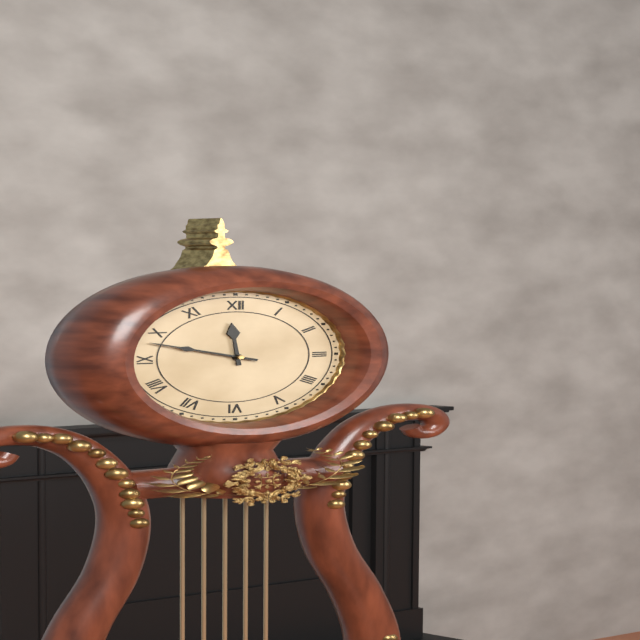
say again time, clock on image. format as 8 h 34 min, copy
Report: 11 h 48 min
